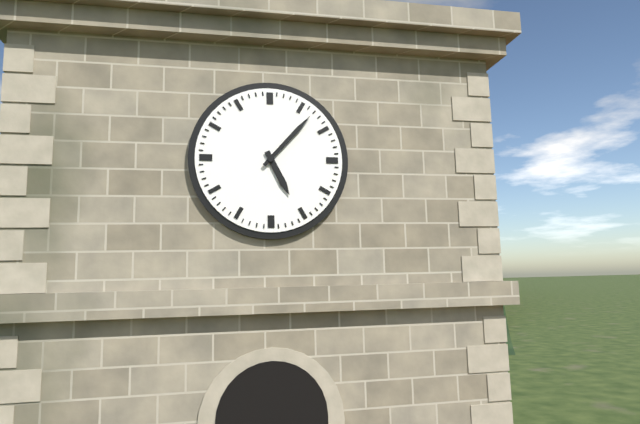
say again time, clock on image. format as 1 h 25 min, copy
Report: 5 h 07 min
